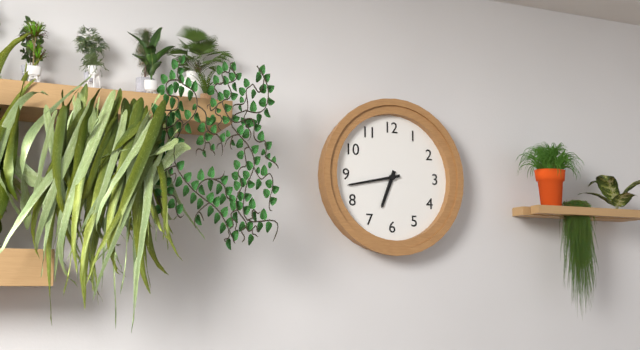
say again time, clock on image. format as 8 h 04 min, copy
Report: 6 h 43 min
